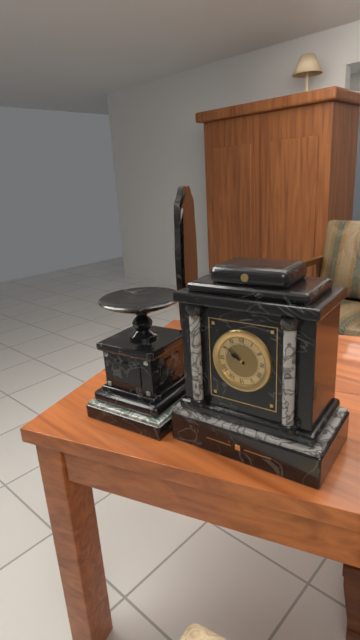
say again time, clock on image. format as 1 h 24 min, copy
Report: 9 h 51 min
